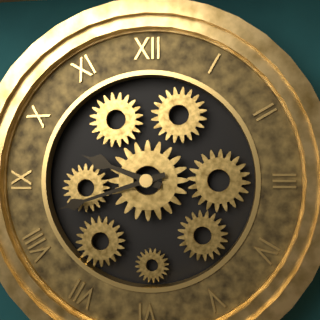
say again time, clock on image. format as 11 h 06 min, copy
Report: 9 h 42 min
